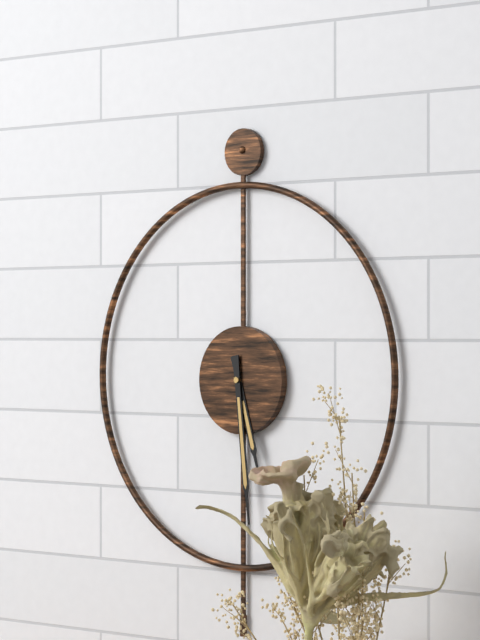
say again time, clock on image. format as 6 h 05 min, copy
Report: 5 h 29 min
